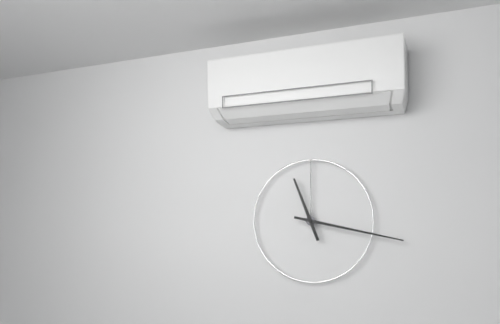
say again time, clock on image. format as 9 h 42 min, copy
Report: 11 h 17 min
